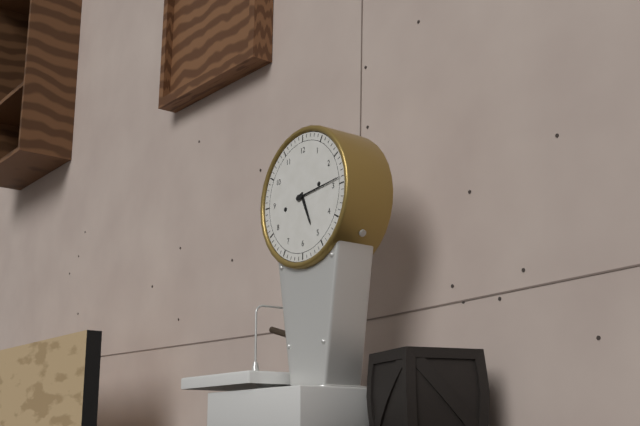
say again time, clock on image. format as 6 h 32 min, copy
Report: 5 h 14 min
